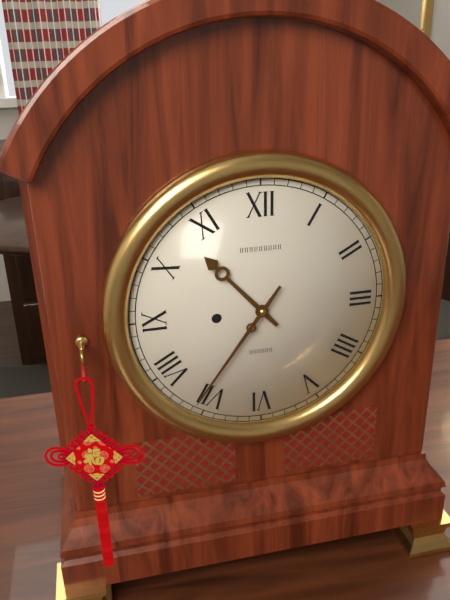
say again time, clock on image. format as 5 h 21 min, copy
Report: 10 h 36 min
